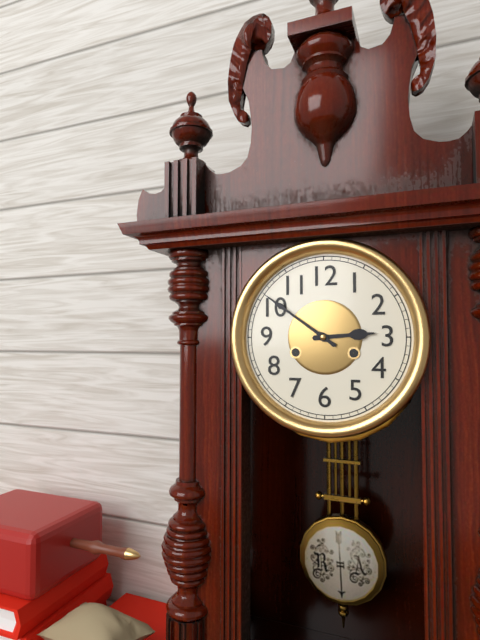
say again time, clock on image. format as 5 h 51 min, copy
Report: 2 h 51 min
